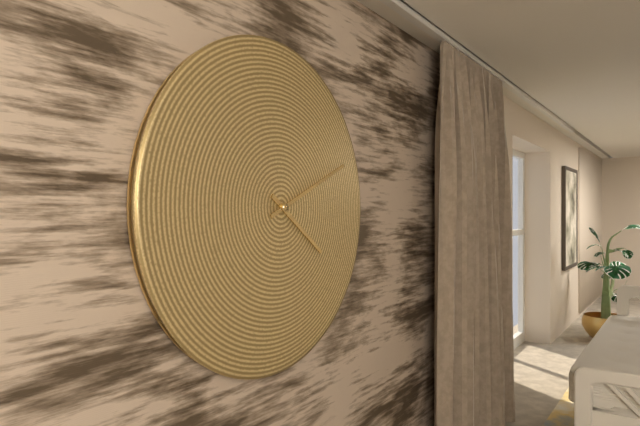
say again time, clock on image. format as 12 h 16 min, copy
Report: 4 h 11 min
